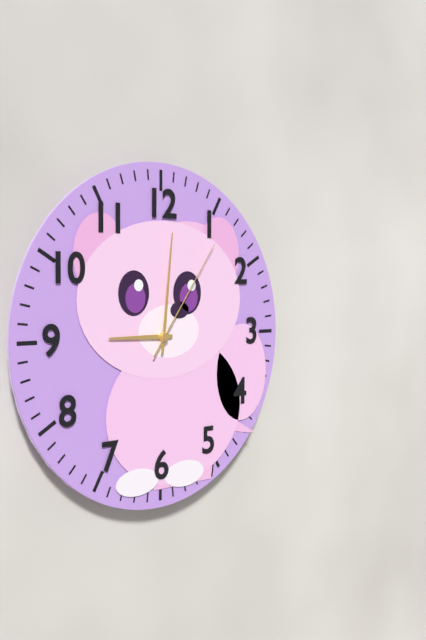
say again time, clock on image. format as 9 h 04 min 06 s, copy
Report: 9 h 01 min 06 s
